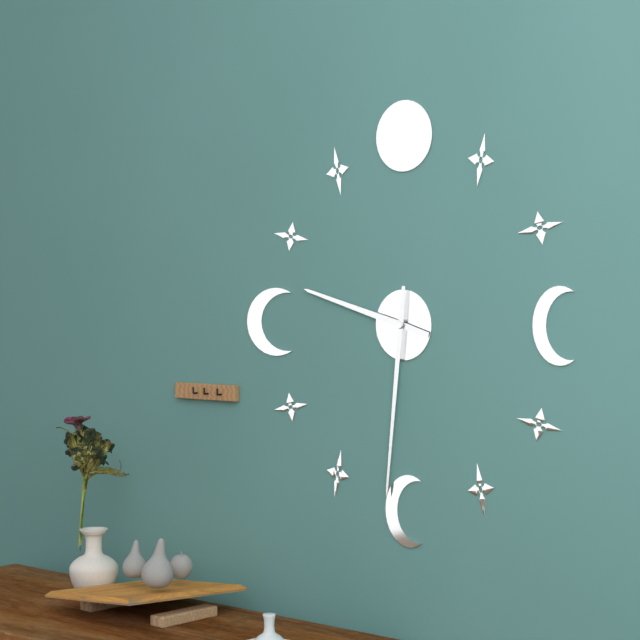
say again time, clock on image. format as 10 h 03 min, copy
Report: 9 h 31 min
